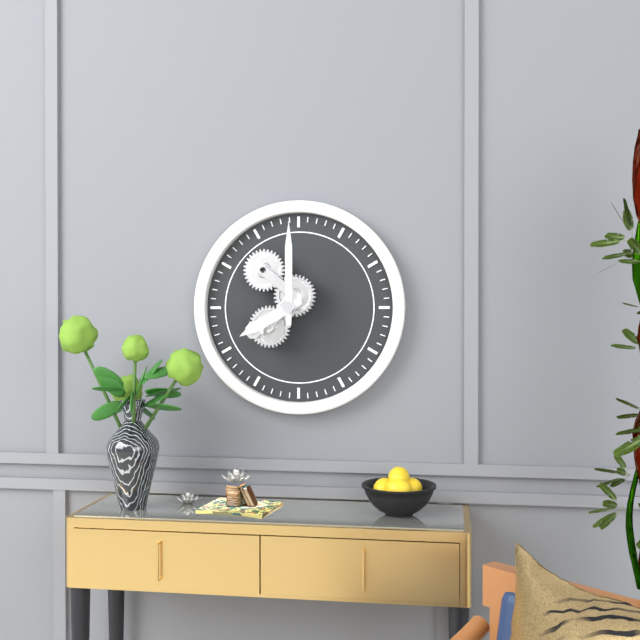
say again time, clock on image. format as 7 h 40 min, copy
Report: 8 h 00 min
